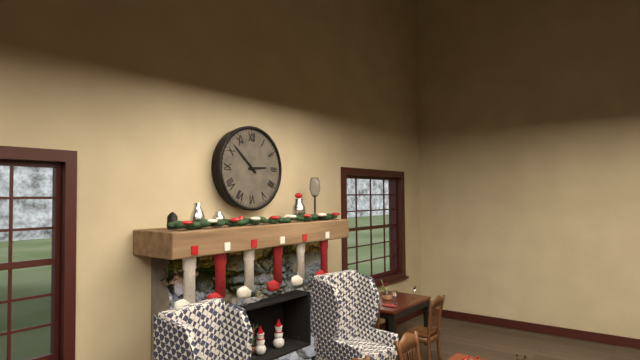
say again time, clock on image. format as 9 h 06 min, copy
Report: 2 h 52 min
